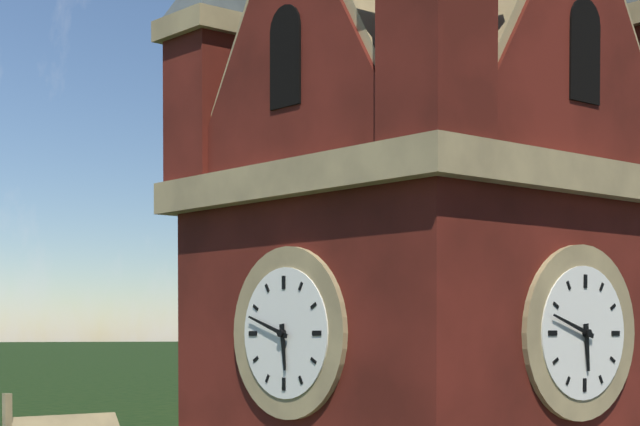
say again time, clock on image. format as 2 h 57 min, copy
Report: 5 h 48 min
